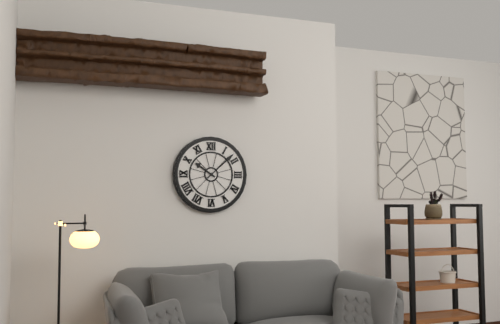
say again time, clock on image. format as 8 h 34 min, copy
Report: 10 h 08 min
